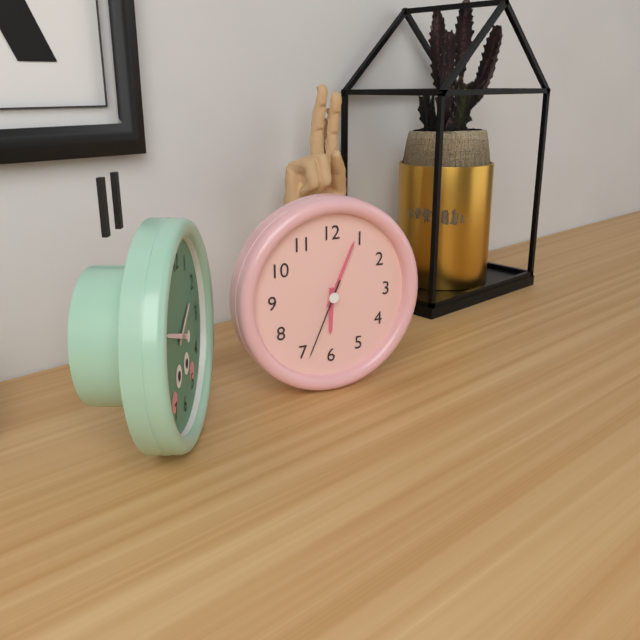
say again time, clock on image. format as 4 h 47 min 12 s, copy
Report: 6 h 04 min 34 s
